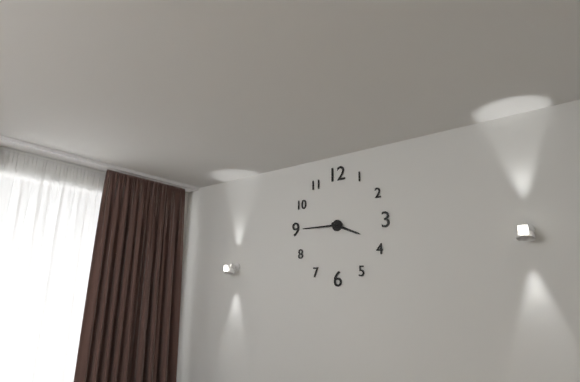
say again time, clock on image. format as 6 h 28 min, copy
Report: 3 h 45 min
